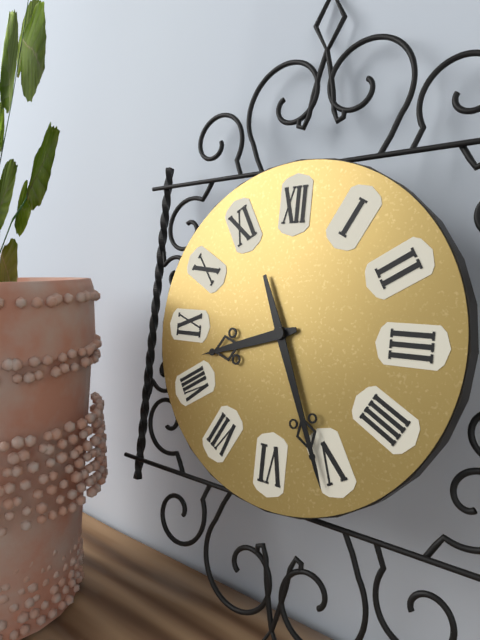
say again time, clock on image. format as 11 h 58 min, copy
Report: 8 h 26 min
